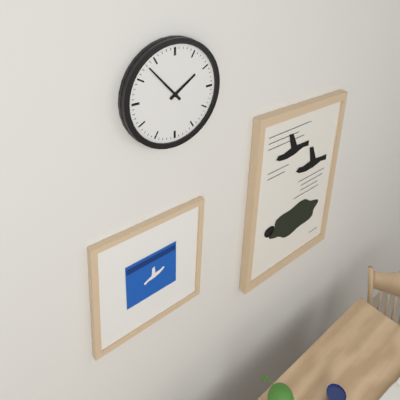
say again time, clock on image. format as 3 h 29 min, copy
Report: 1 h 53 min
